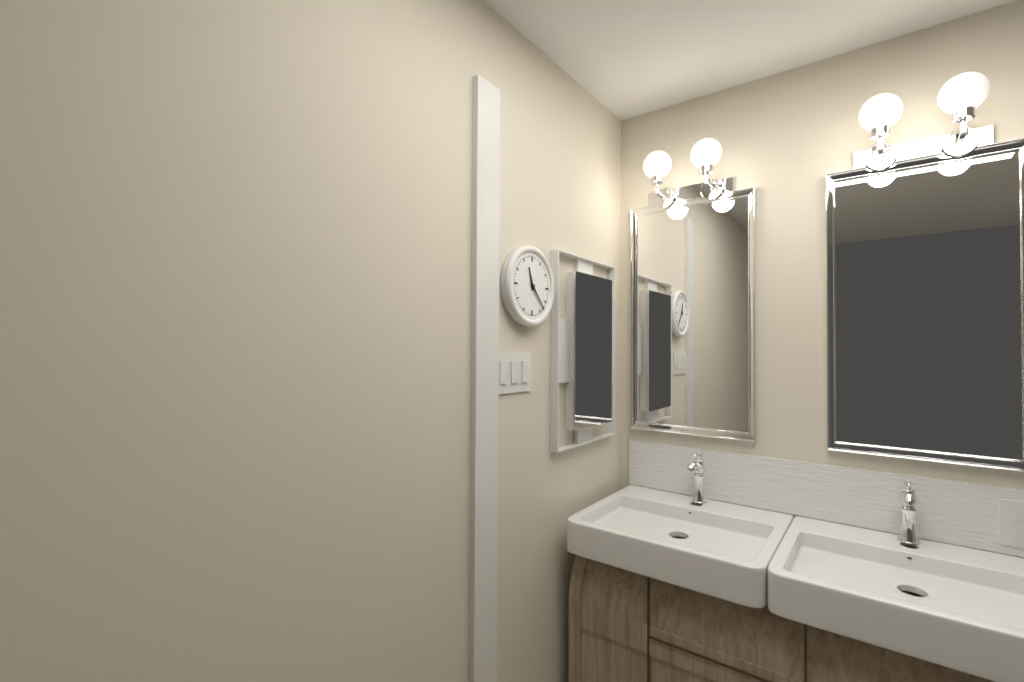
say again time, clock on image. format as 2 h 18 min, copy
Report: 11 h 23 min
